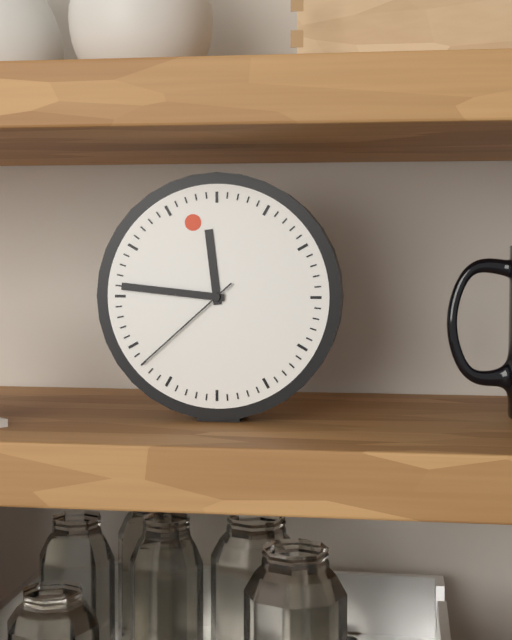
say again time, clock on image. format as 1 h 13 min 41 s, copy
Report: 11 h 46 min 38 s
